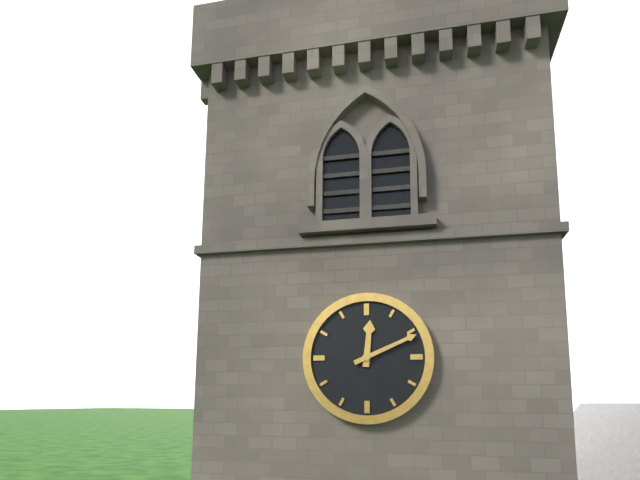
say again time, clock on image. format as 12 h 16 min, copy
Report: 12 h 11 min
